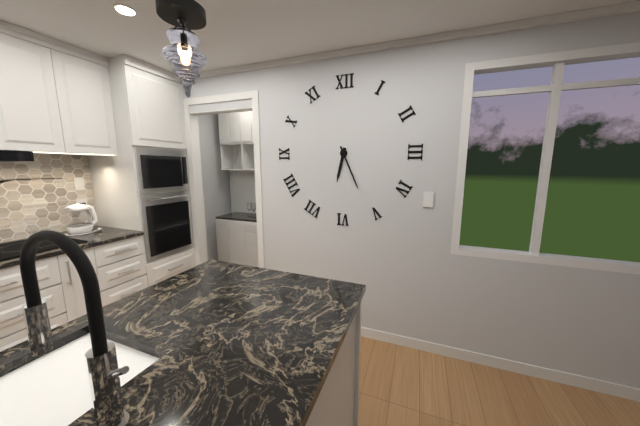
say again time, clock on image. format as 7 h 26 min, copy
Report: 6 h 26 min
